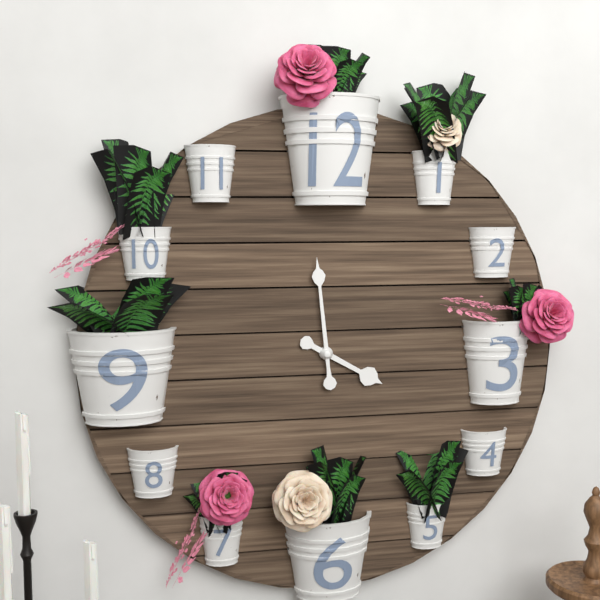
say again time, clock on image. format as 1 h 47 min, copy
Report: 3 h 59 min
